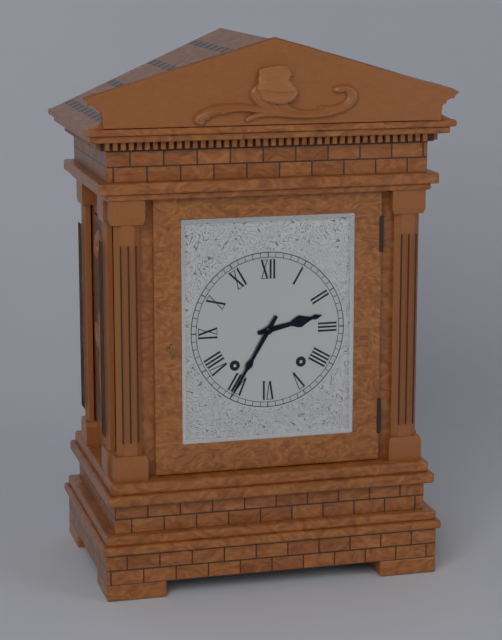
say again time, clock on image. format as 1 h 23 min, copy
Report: 2 h 35 min
